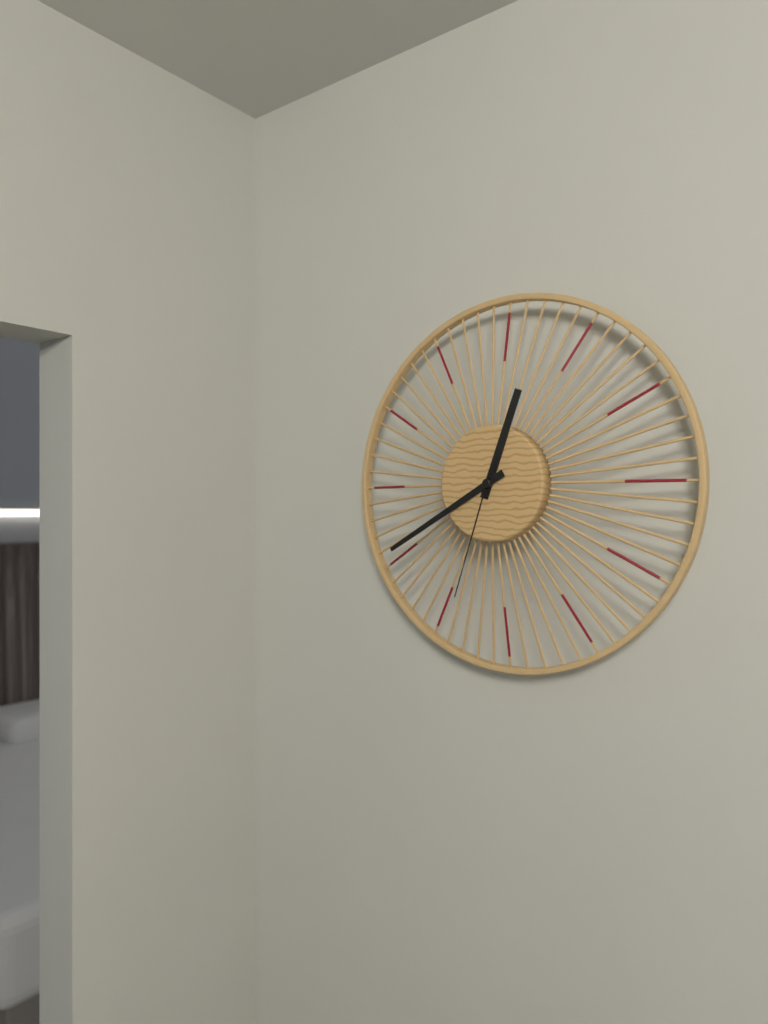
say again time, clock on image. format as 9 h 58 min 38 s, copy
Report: 12 h 40 min 33 s
